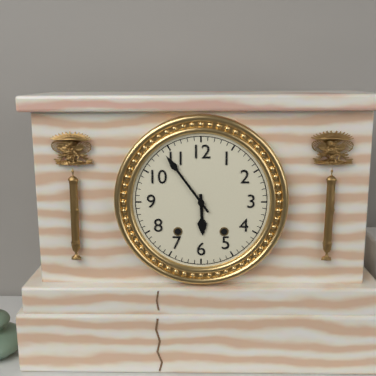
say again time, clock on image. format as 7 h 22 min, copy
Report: 5 h 54 min
